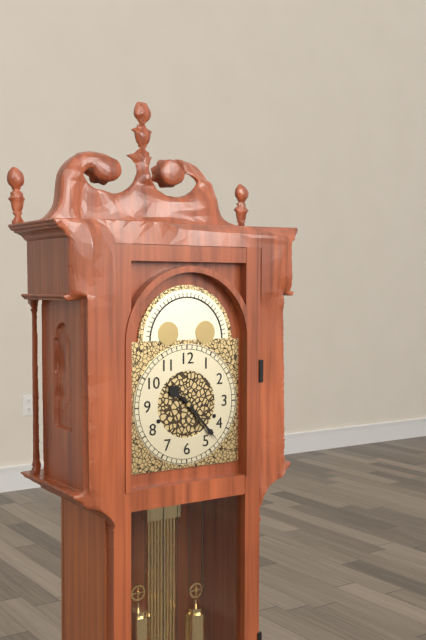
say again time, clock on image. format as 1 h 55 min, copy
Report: 10 h 23 min
